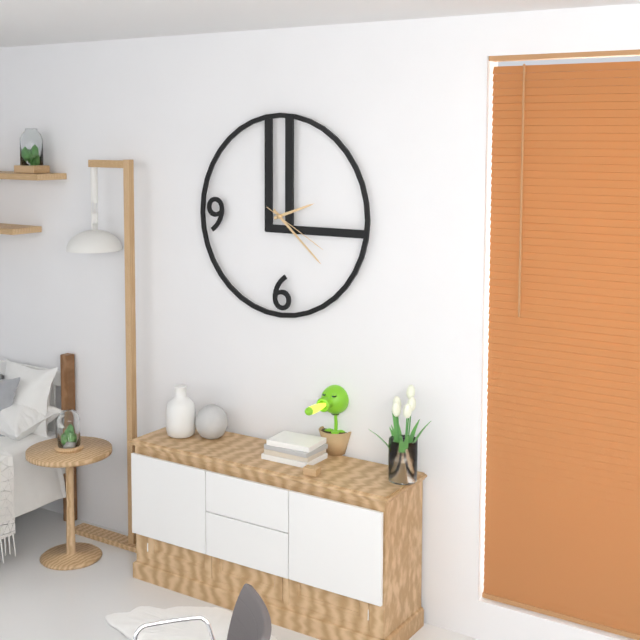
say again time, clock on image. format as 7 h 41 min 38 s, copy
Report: 2 h 22 min 20 s
